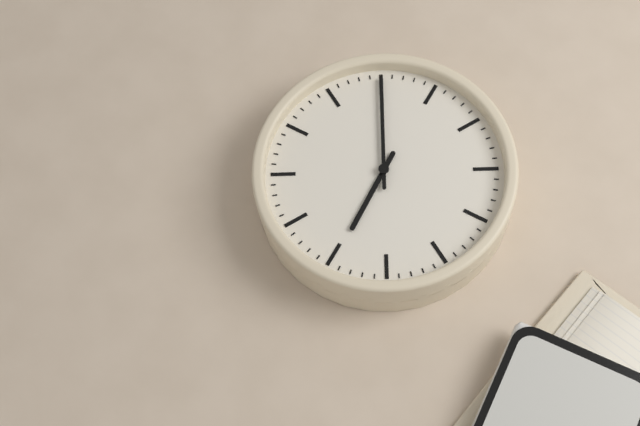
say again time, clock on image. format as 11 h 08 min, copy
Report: 5 h 55 min
